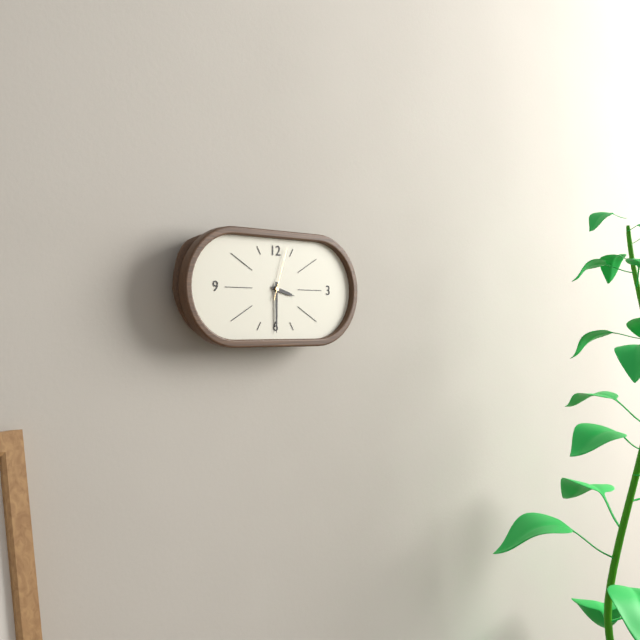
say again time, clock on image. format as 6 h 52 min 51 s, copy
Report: 3 h 30 min 03 s
